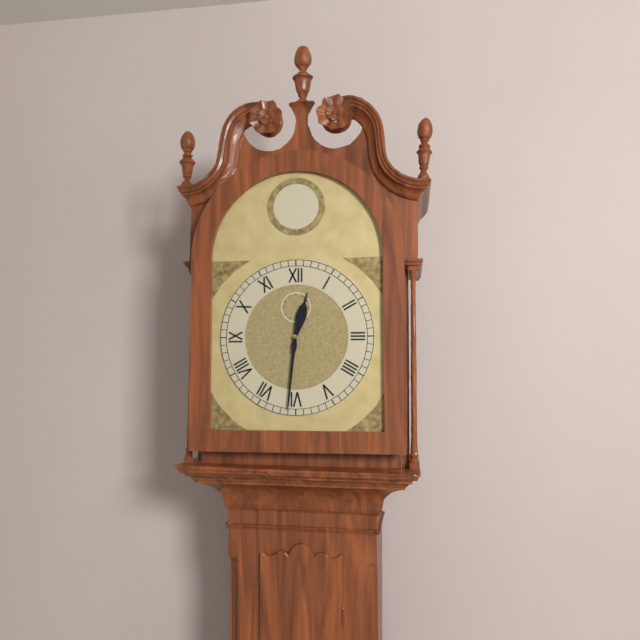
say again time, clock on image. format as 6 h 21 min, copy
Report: 12 h 31 min
